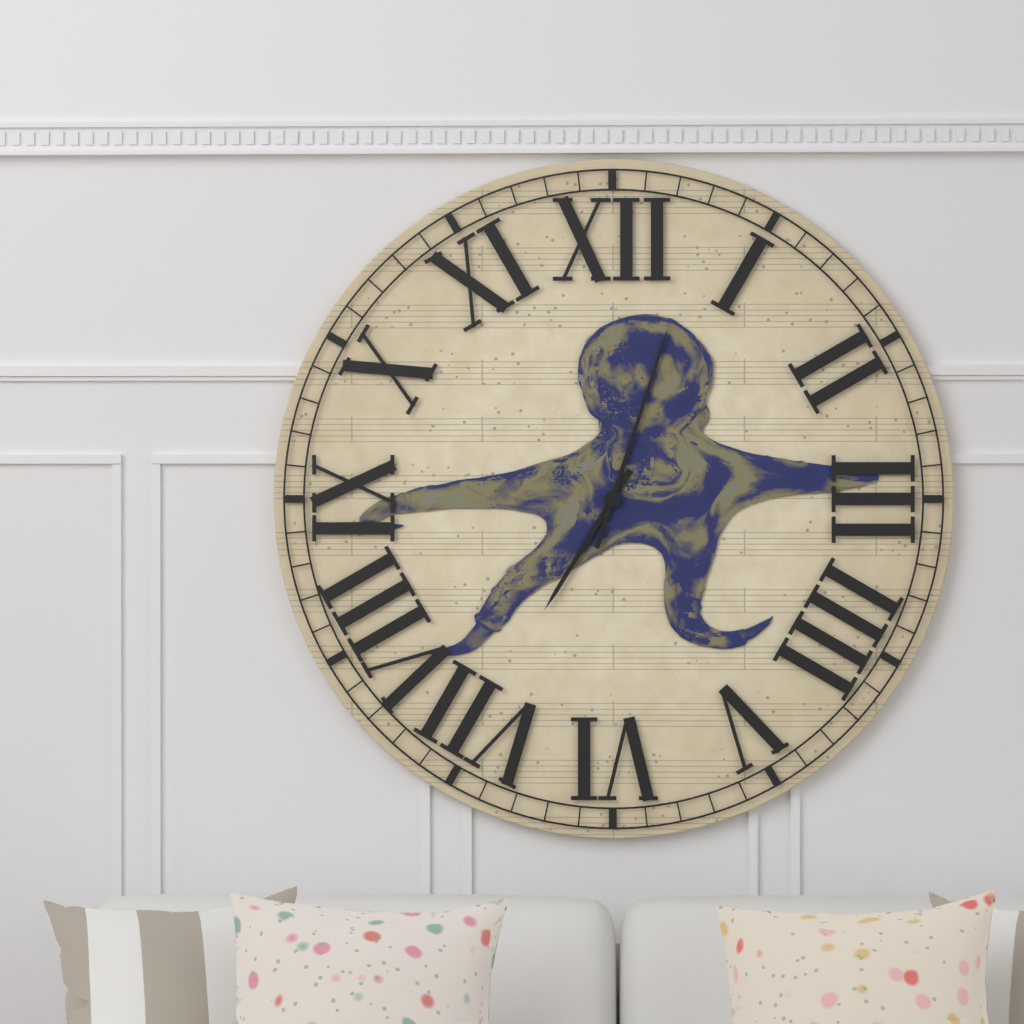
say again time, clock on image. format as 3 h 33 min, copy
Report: 7 h 03 min
